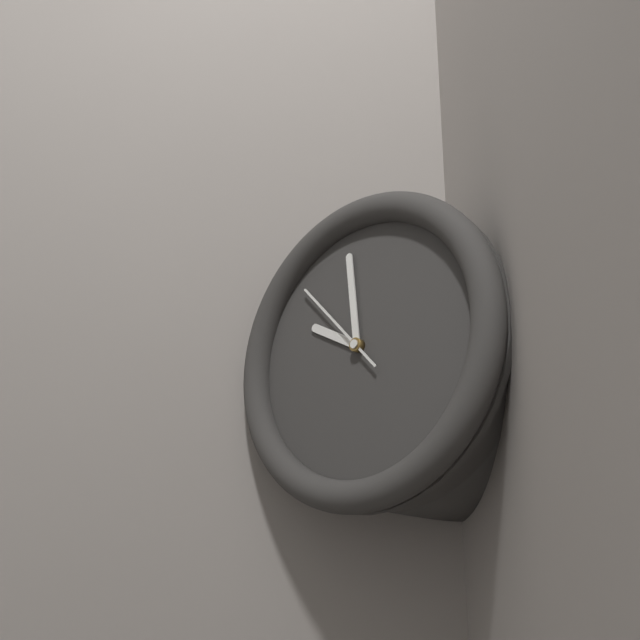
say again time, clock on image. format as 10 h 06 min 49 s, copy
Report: 9 h 59 min 53 s
